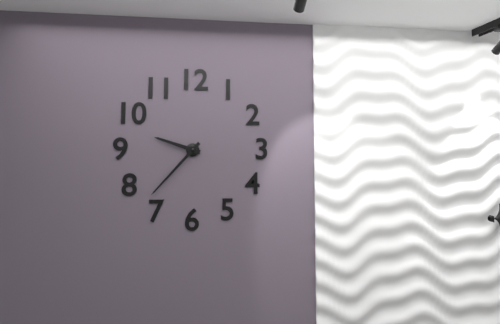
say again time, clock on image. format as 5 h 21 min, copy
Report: 9 h 37 min
